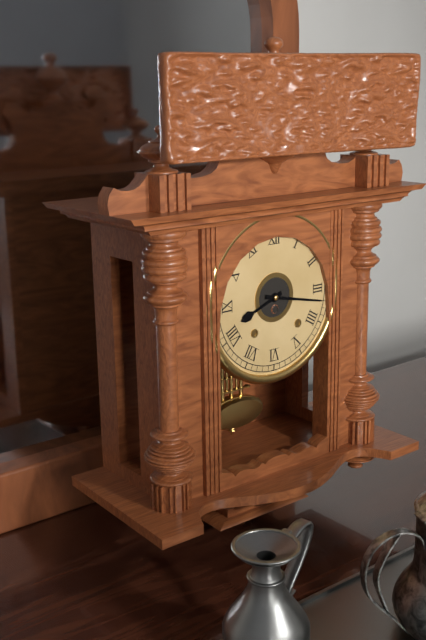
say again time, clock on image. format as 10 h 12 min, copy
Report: 8 h 17 min
